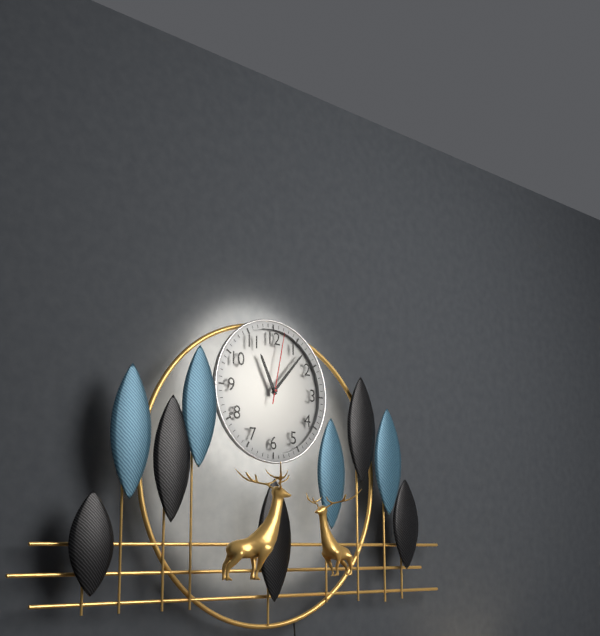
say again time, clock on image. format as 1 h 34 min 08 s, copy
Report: 11 h 07 min 02 s
